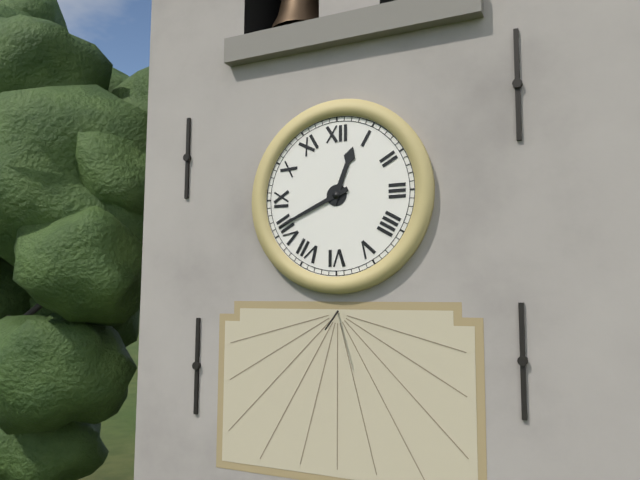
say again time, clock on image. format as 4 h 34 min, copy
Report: 12 h 41 min
